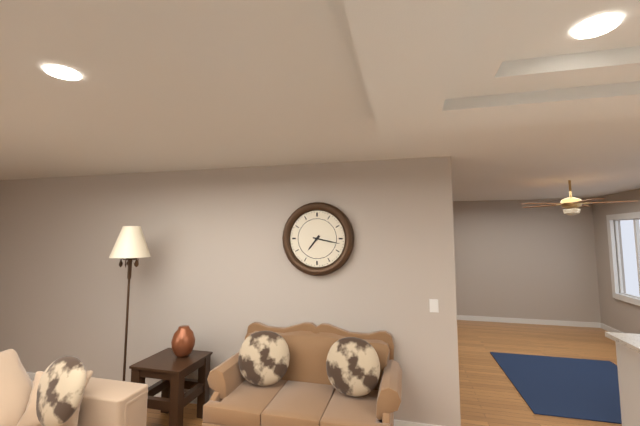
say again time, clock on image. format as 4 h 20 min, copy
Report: 7 h 17 min
